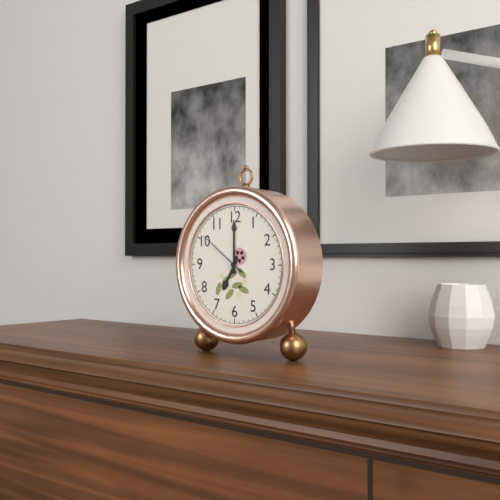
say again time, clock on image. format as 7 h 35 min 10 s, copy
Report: 7 h 00 min 51 s
